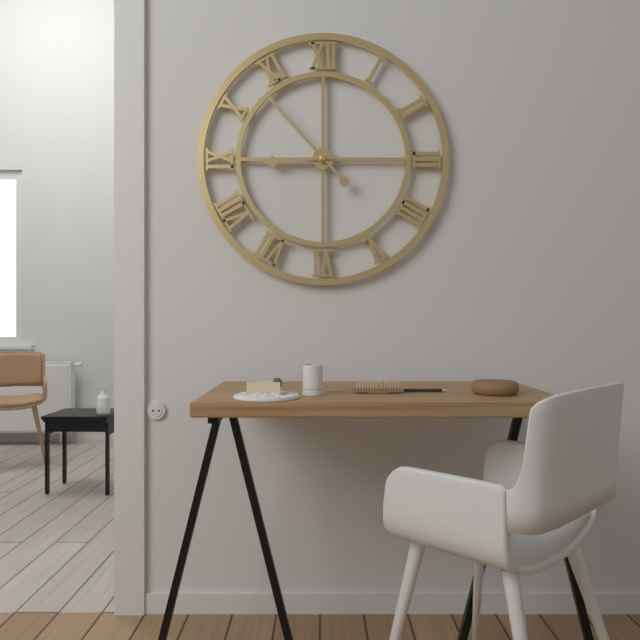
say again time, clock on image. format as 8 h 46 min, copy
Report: 8 h 53 min
